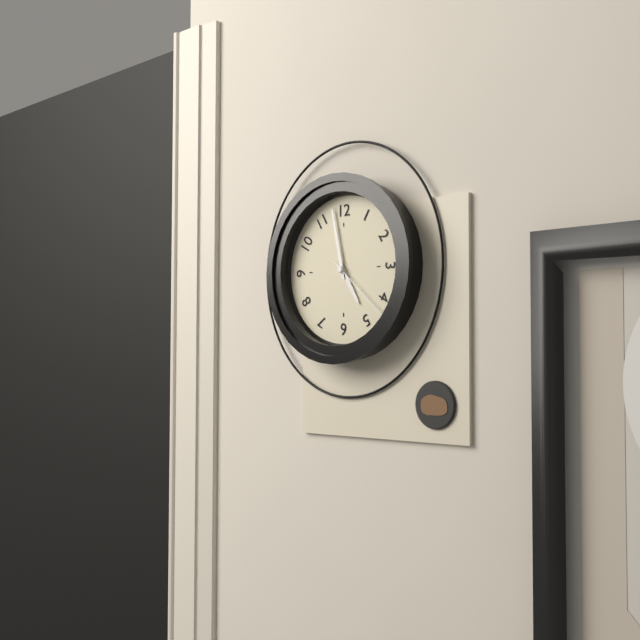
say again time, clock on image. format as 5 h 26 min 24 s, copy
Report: 4 h 58 min 22 s
